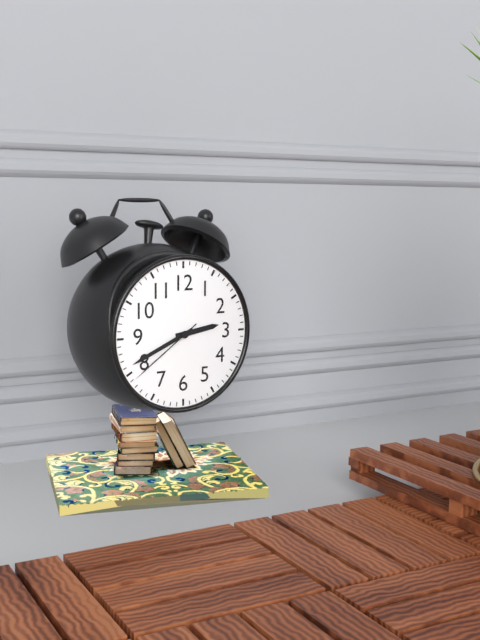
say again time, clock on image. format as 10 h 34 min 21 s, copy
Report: 2 h 41 min 39 s
